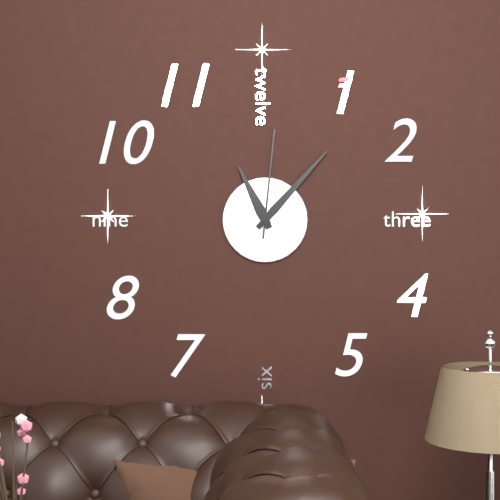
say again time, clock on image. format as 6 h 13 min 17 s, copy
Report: 11 h 07 min 01 s
